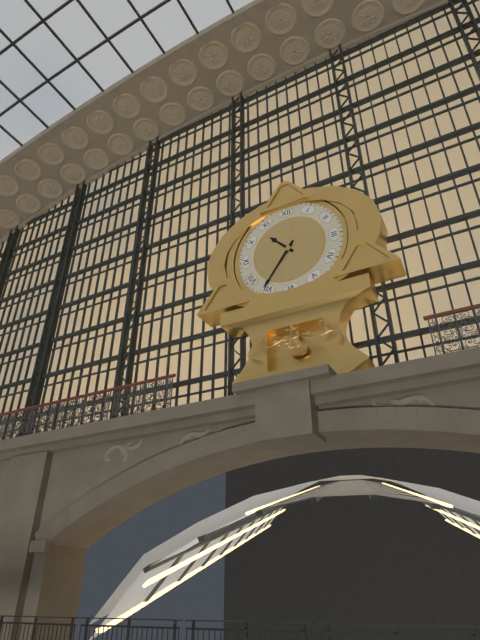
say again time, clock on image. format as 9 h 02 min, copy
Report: 10 h 36 min
